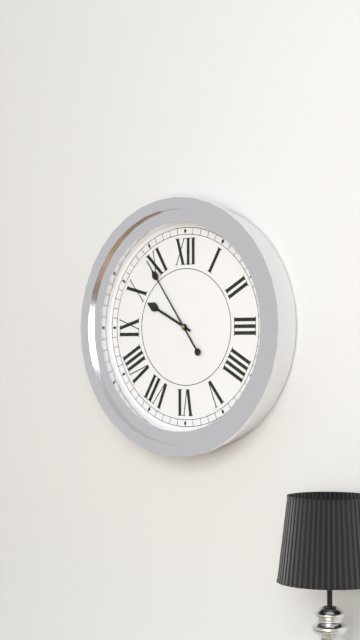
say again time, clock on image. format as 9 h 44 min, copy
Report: 9 h 54 min
